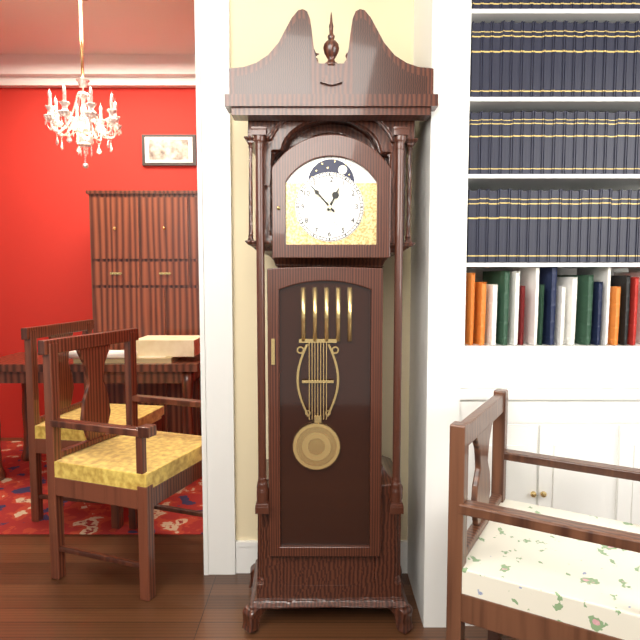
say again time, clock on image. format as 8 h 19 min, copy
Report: 12 h 53 min
